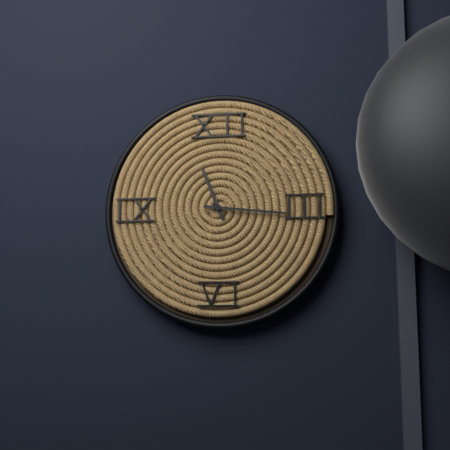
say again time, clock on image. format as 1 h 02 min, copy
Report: 11 h 16 min
